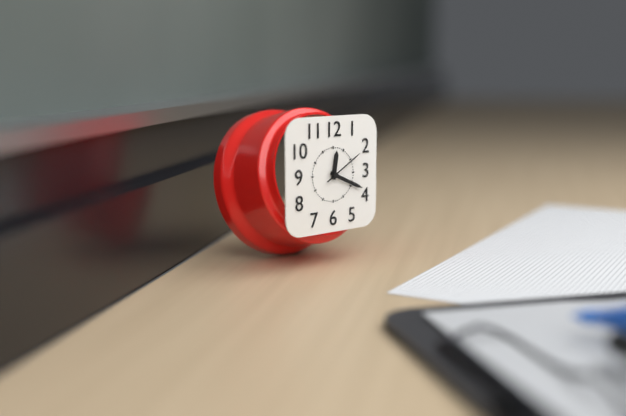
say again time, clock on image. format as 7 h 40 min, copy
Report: 12 h 19 min
